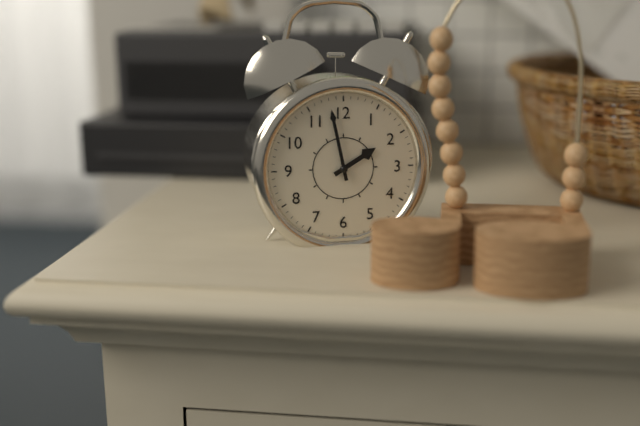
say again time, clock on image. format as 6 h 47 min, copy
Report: 1 h 58 min
